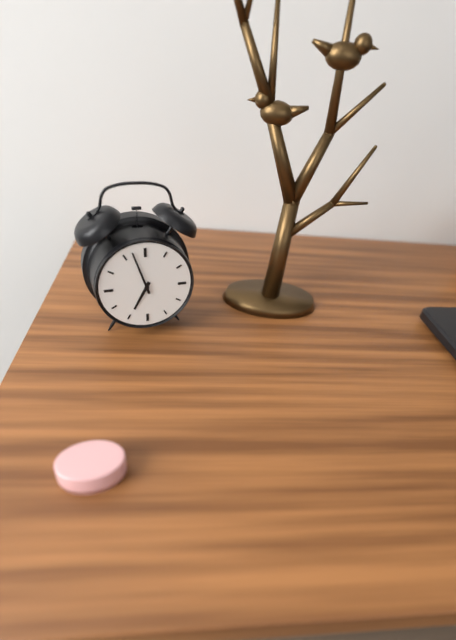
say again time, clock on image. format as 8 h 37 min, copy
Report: 6 h 57 min
